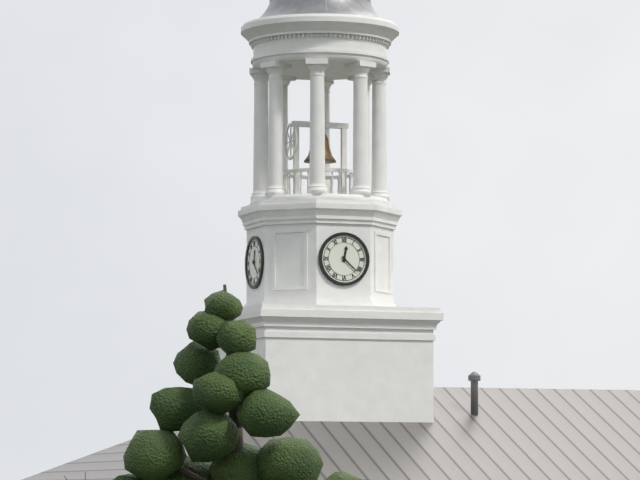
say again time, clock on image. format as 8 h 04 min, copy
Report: 12 h 22 min
